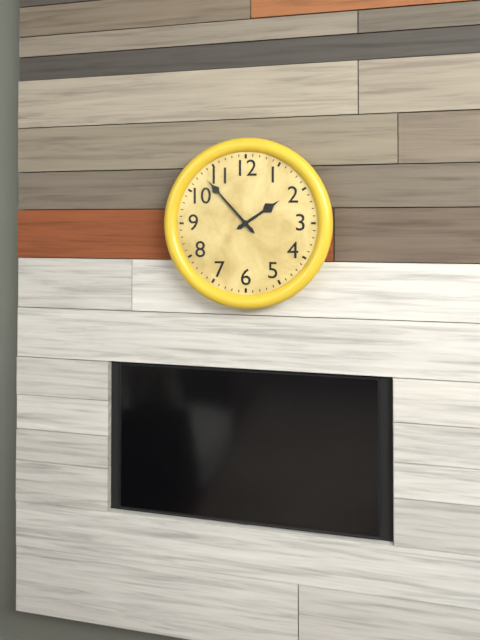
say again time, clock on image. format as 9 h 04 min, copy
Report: 1 h 53 min
